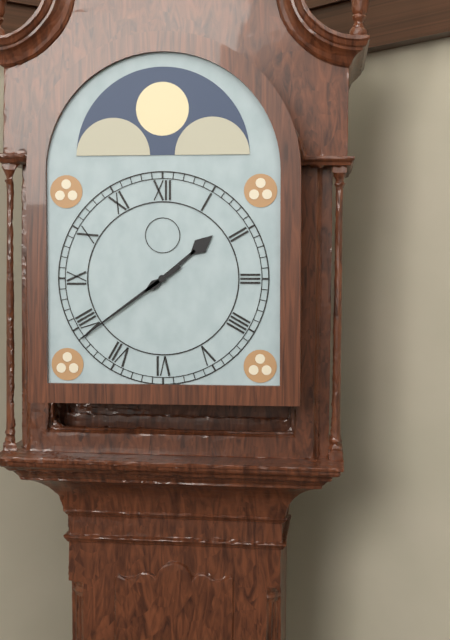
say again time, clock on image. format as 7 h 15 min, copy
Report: 1 h 39 min
